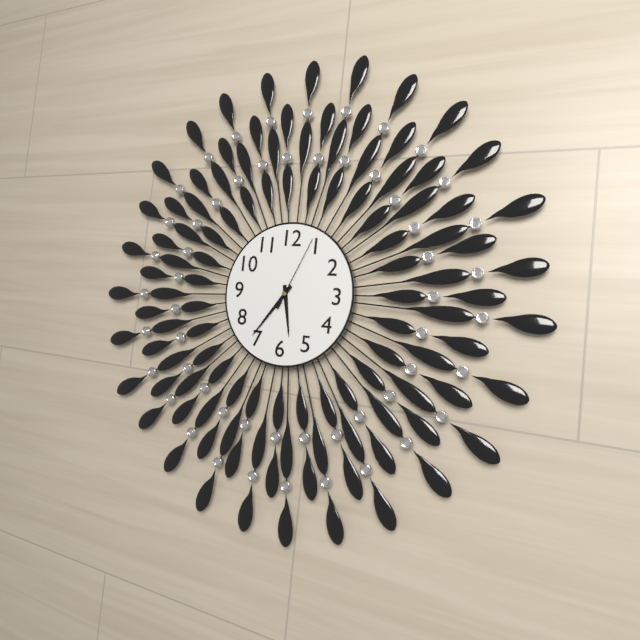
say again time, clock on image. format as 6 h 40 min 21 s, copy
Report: 5 h 36 min 04 s
